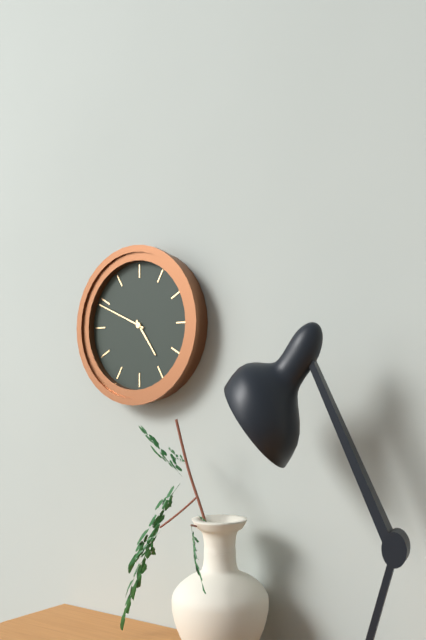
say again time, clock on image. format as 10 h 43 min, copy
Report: 4 h 49 min
